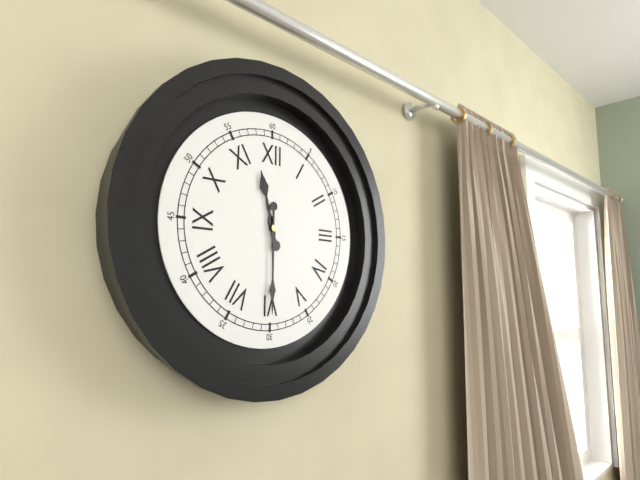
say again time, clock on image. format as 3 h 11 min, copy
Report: 11 h 30 min
